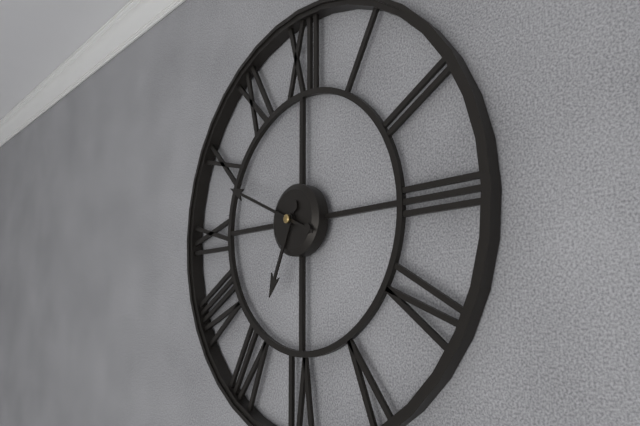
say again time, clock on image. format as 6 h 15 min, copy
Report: 6 h 49 min
